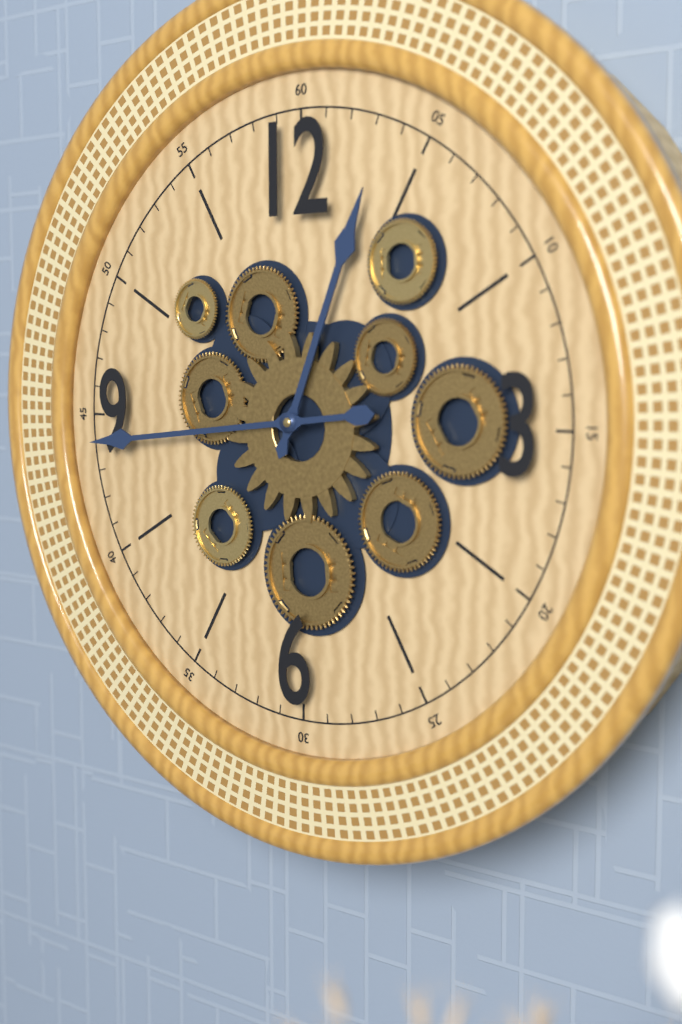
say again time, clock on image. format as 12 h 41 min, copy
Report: 12 h 44 min
